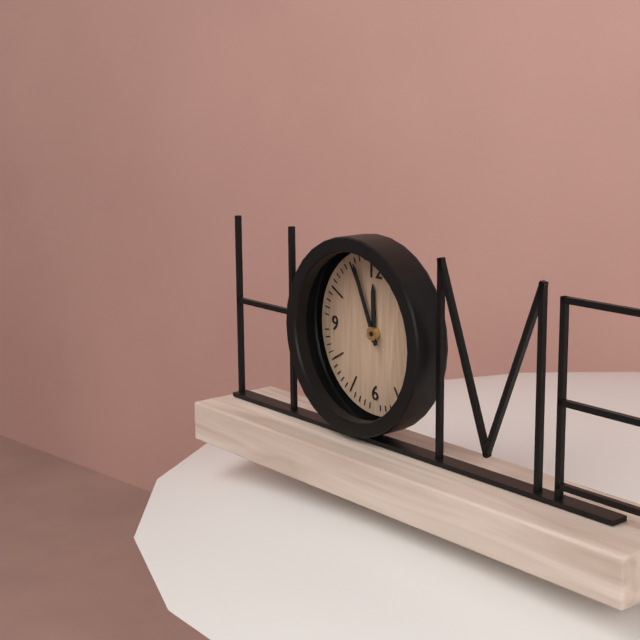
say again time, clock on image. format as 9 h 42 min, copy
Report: 11 h 56 min
